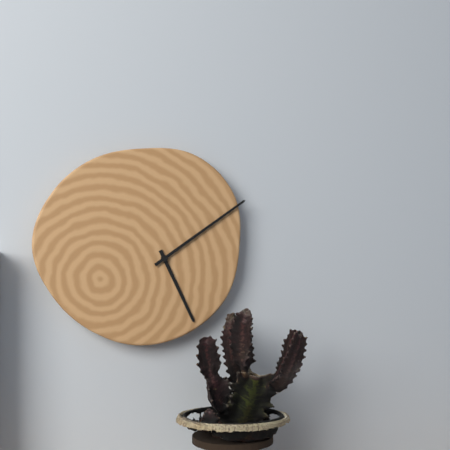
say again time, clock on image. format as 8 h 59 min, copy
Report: 5 h 09 min
